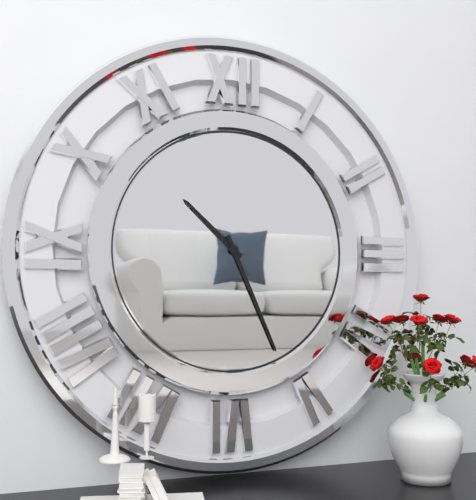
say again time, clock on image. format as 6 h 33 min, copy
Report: 10 h 26 min
